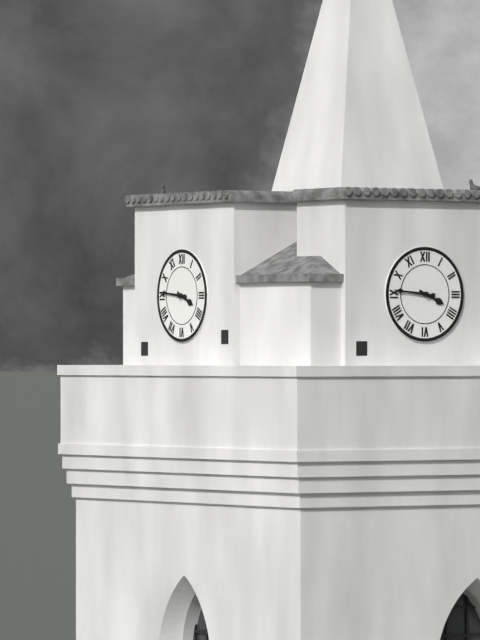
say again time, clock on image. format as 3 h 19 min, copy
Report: 3 h 46 min
